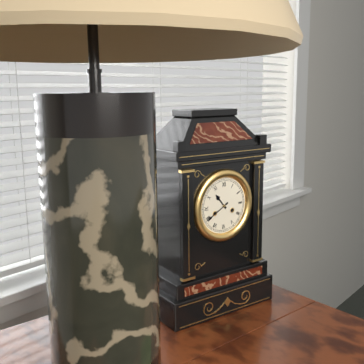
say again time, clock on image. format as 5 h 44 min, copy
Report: 10 h 40 min
